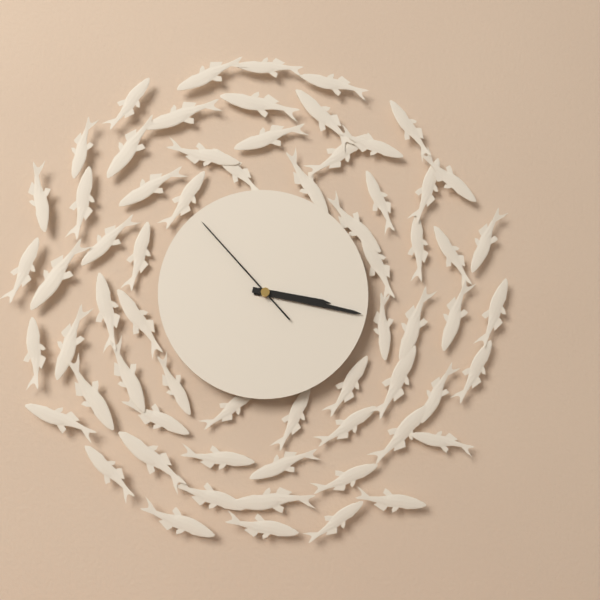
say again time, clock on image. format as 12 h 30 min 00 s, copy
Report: 3 h 17 min 53 s
